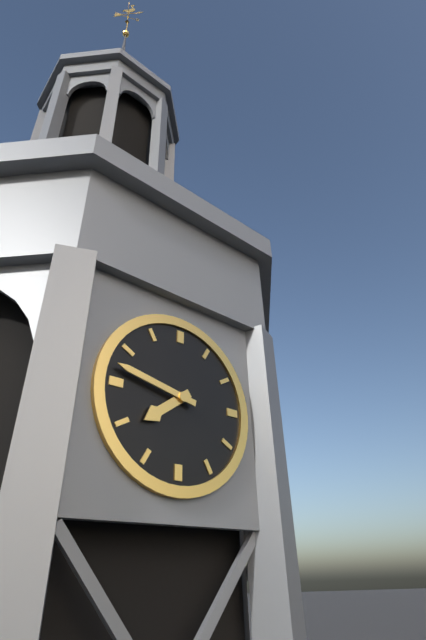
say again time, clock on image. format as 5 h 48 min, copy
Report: 7 h 47 min
